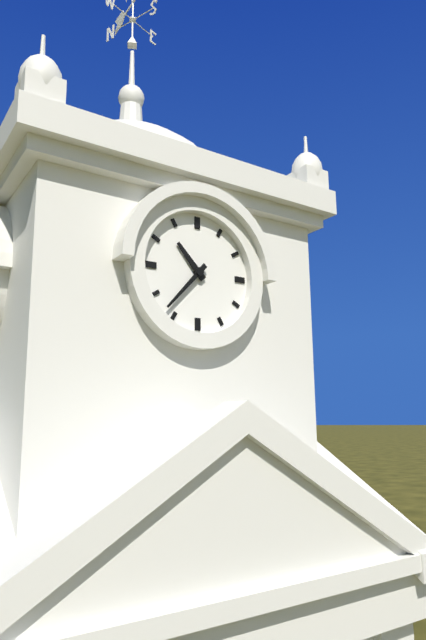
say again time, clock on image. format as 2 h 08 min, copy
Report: 10 h 37 min
